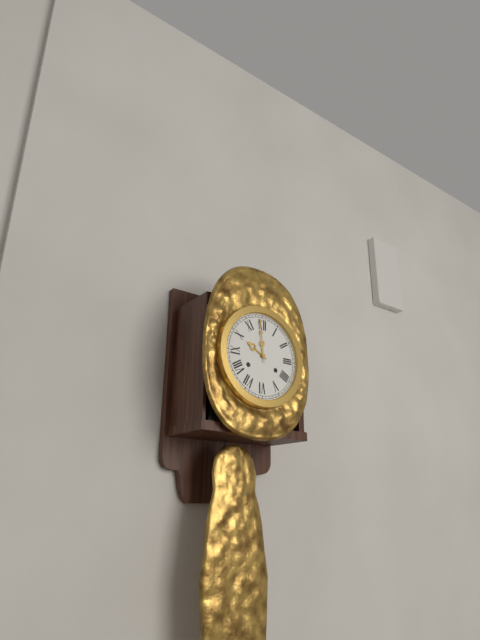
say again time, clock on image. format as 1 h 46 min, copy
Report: 9 h 59 min
